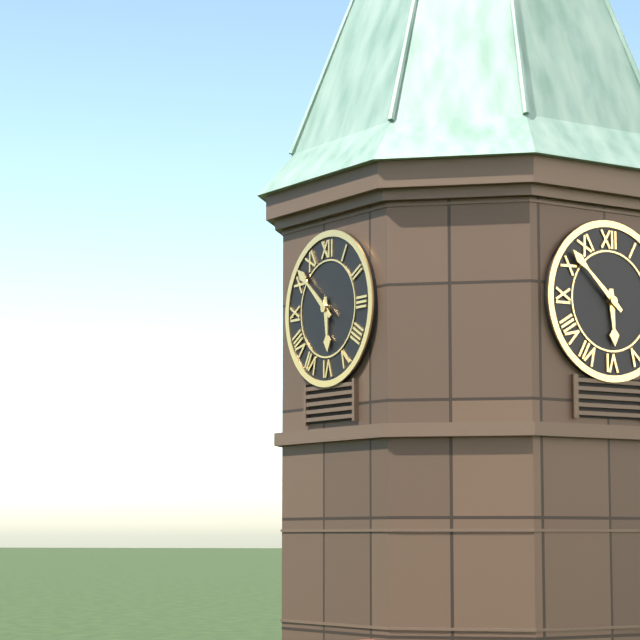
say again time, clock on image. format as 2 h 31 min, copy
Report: 5 h 52 min
